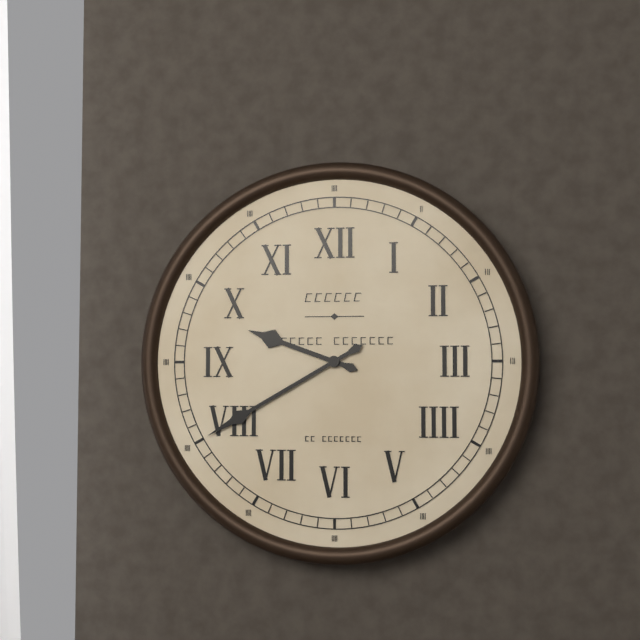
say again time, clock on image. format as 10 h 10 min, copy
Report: 9 h 40 min
